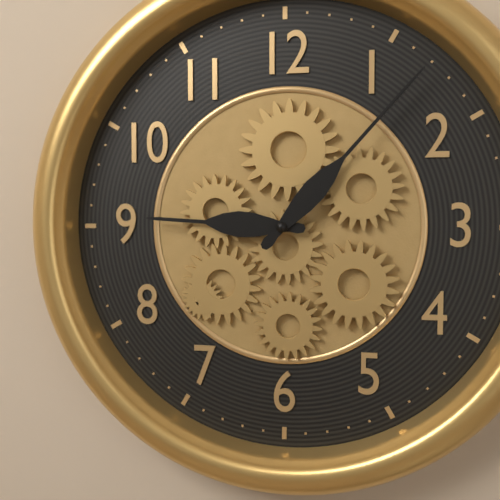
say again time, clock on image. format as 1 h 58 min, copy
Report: 9 h 07 min
